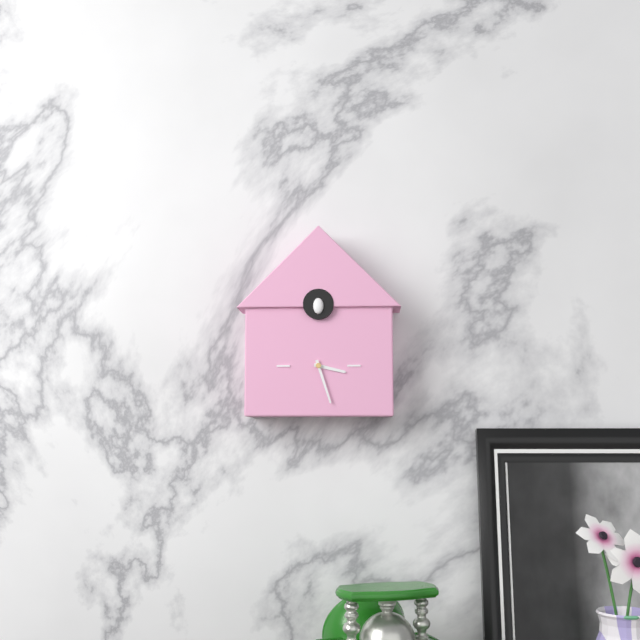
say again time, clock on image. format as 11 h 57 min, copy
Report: 3 h 27 min
